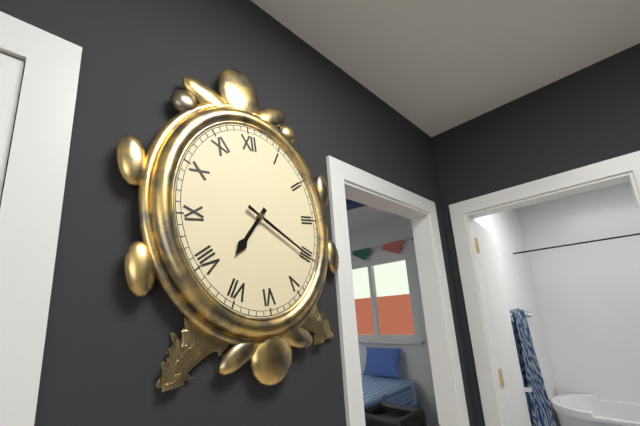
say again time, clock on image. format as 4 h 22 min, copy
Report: 7 h 21 min
